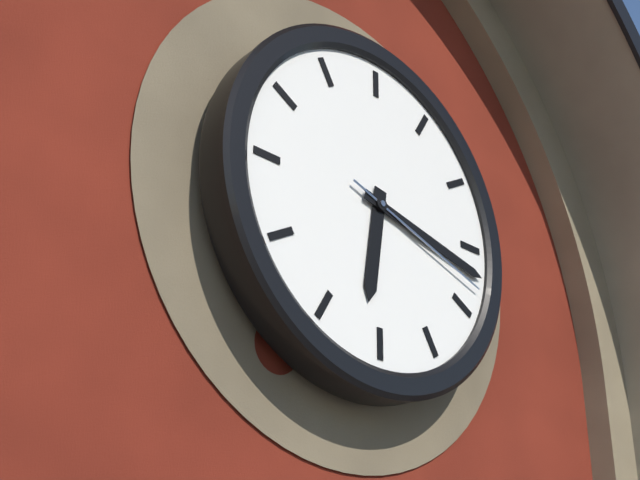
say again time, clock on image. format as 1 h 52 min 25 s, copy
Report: 6 h 17 min 18 s
